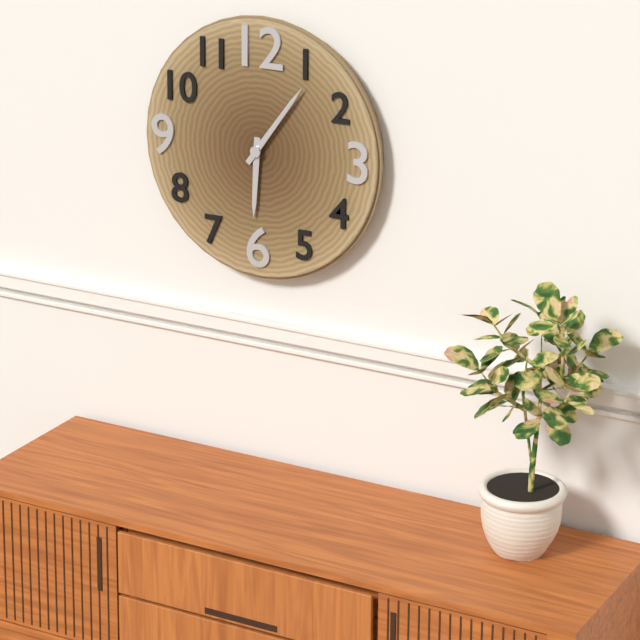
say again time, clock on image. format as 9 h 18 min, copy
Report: 6 h 06 min
